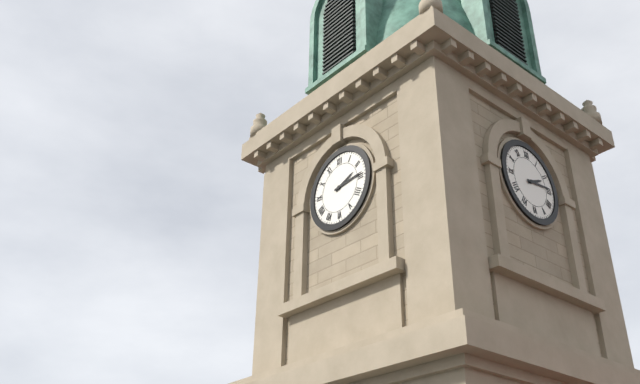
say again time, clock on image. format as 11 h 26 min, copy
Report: 2 h 14 min
